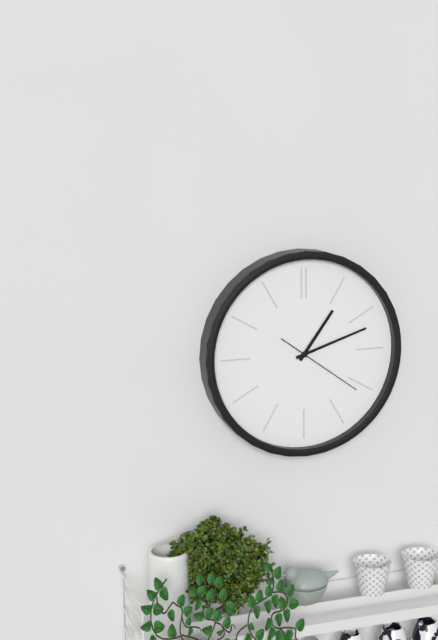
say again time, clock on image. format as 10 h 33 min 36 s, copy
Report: 1 h 12 min 21 s
